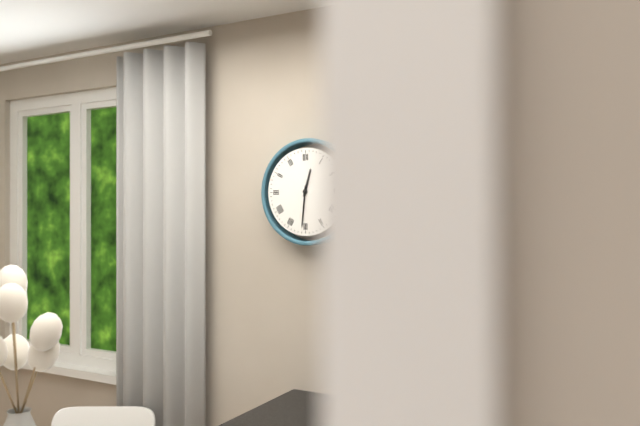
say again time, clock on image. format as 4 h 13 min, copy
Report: 12 h 31 min
